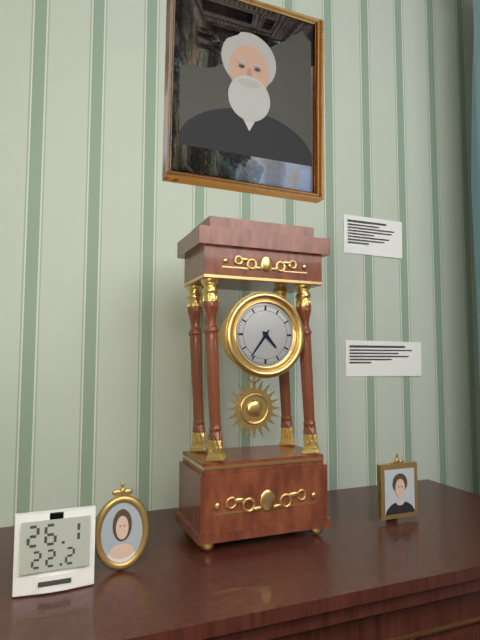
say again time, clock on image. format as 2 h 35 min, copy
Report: 4 h 36 min
